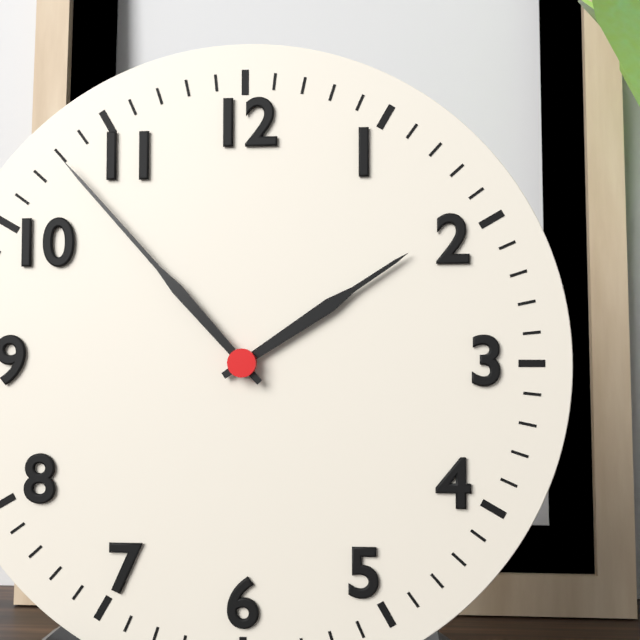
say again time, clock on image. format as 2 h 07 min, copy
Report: 1 h 53 min
